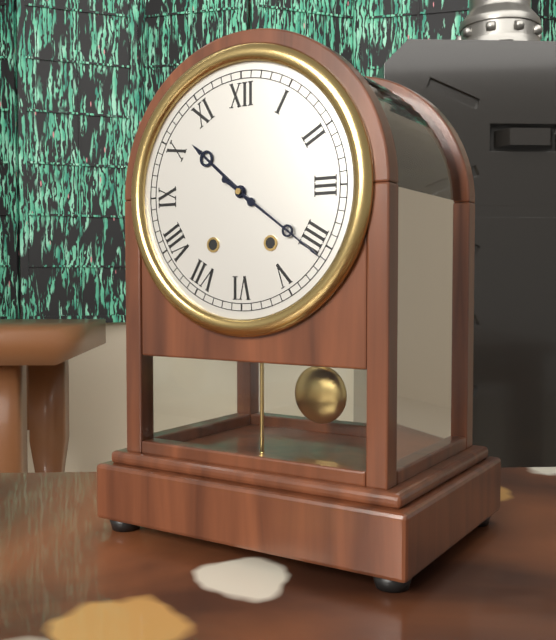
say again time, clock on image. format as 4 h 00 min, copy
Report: 10 h 21 min
